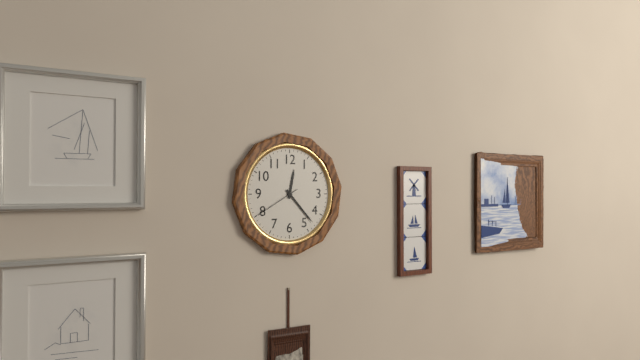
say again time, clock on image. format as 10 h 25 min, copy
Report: 12 h 23 min
